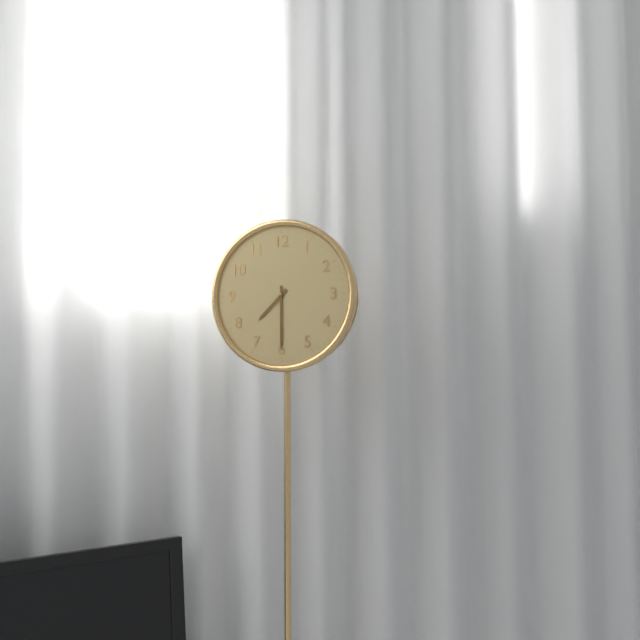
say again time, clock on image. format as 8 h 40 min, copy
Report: 7 h 30 min
